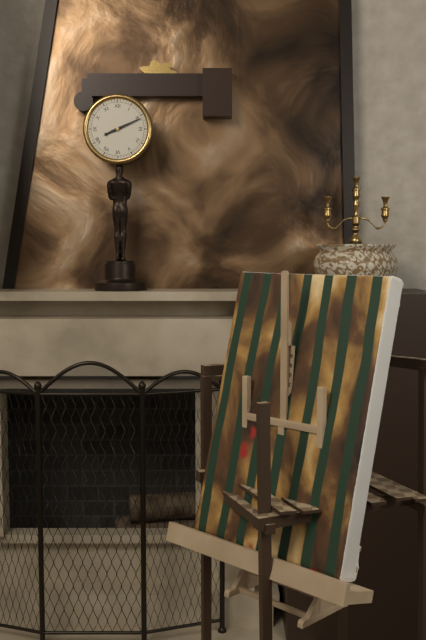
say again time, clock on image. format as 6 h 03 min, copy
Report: 8 h 11 min
